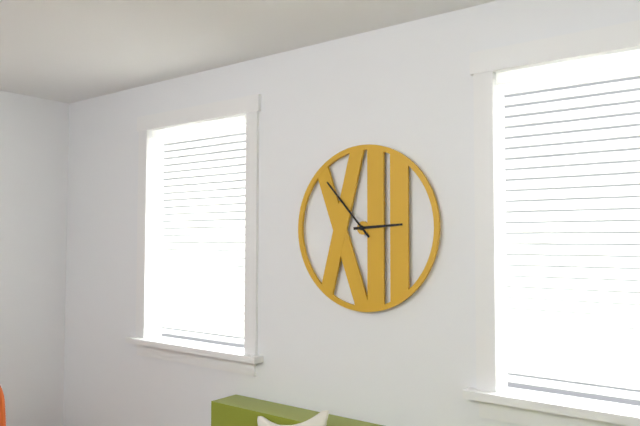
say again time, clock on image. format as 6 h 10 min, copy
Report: 2 h 53 min
